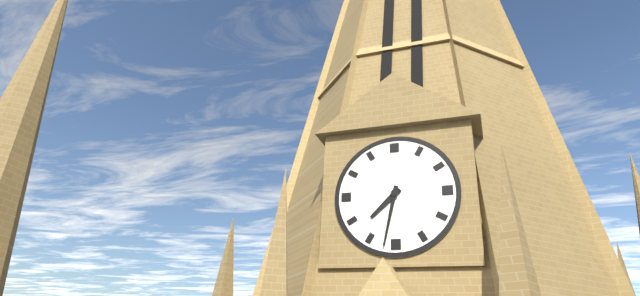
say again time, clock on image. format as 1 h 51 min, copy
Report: 7 h 32 min
